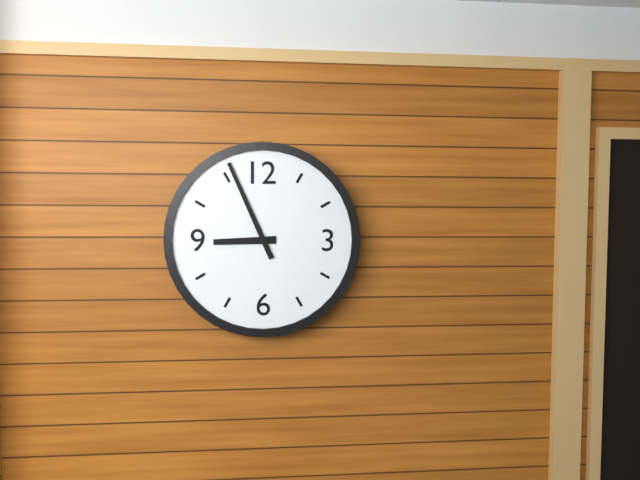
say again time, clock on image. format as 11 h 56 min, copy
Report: 8 h 56 min
